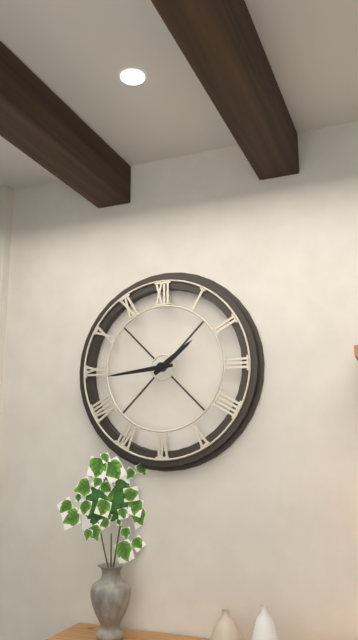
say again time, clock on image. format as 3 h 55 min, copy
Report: 1 h 44 min
